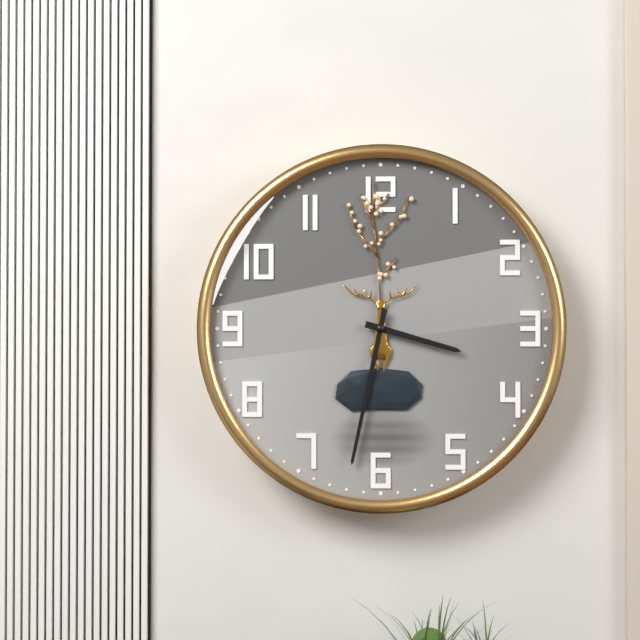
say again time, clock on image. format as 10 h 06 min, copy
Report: 3 h 32 min
